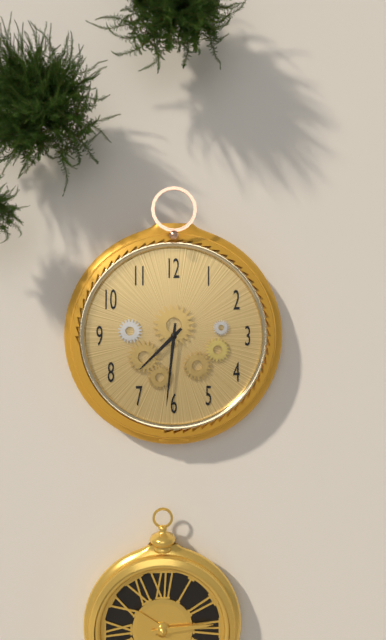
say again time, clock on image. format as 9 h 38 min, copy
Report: 7 h 31 min
